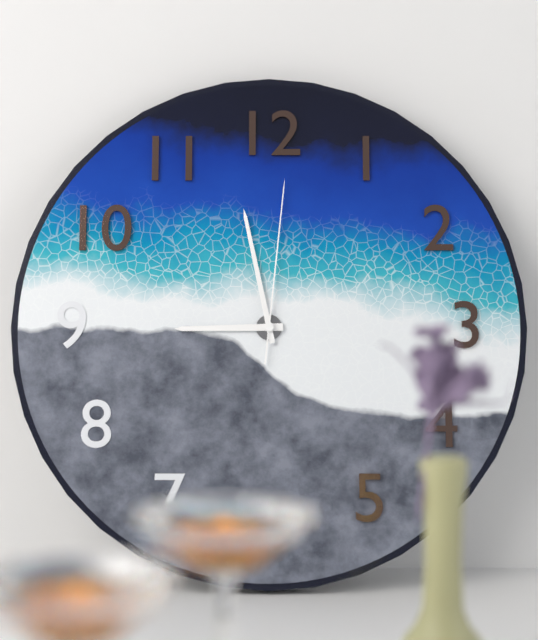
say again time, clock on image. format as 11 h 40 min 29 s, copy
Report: 8 h 58 min 01 s
